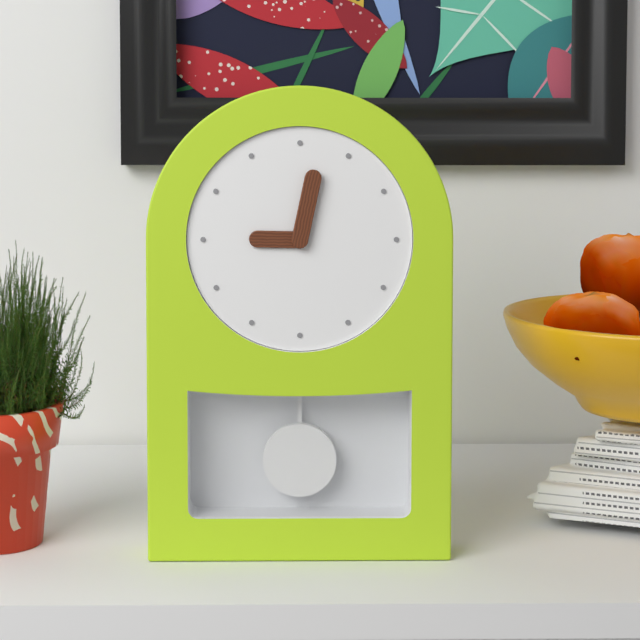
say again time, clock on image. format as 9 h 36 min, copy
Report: 9 h 02 min
